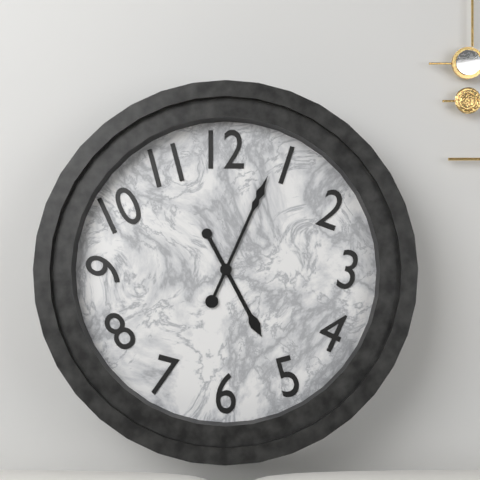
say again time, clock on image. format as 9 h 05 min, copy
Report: 5 h 04 min
